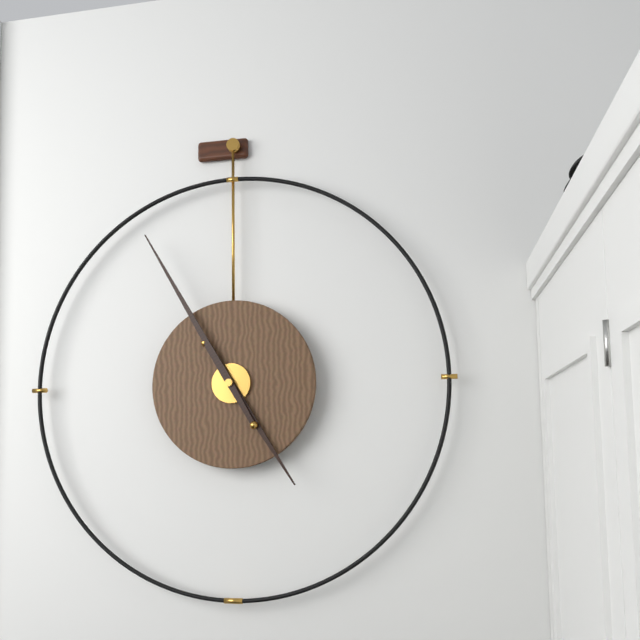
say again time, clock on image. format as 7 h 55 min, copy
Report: 4 h 55 min
